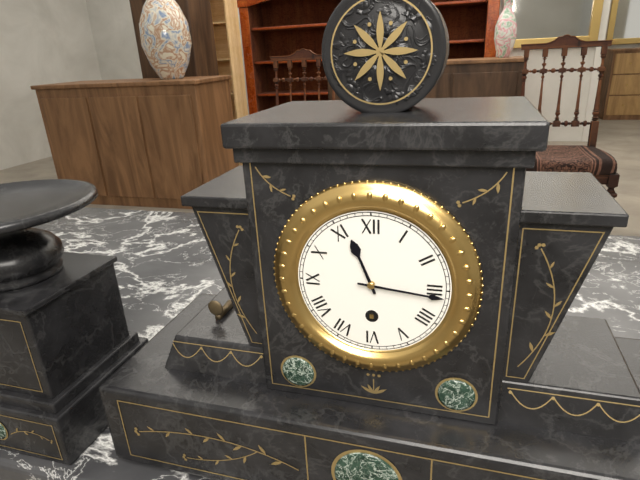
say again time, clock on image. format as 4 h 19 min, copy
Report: 11 h 16 min
